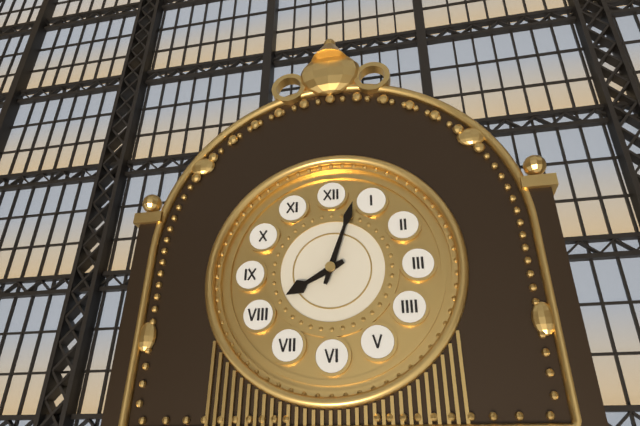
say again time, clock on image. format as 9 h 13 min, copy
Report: 8 h 03 min
